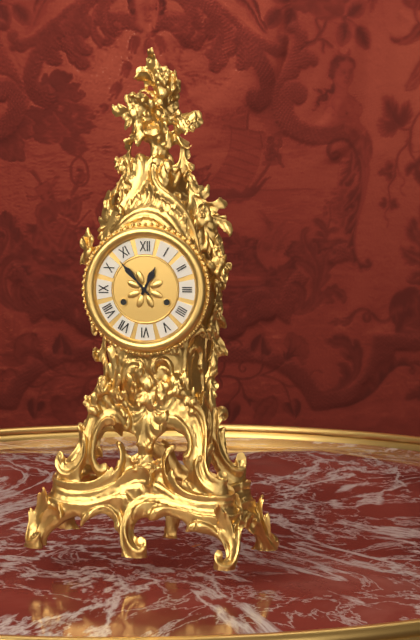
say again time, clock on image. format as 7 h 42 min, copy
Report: 12 h 53 min
